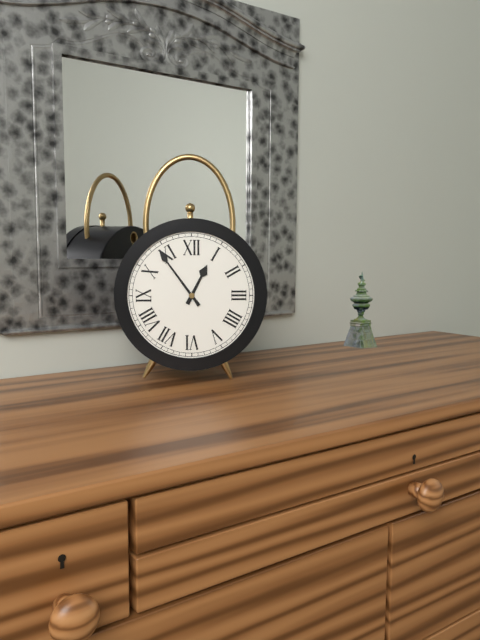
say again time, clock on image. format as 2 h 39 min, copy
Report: 12 h 54 min
